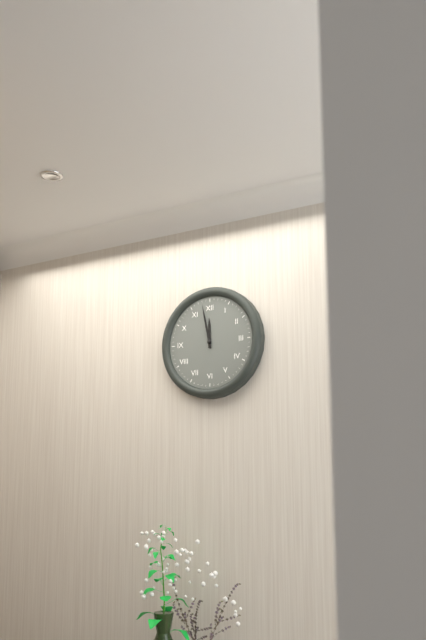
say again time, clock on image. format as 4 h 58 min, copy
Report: 11 h 58 min
